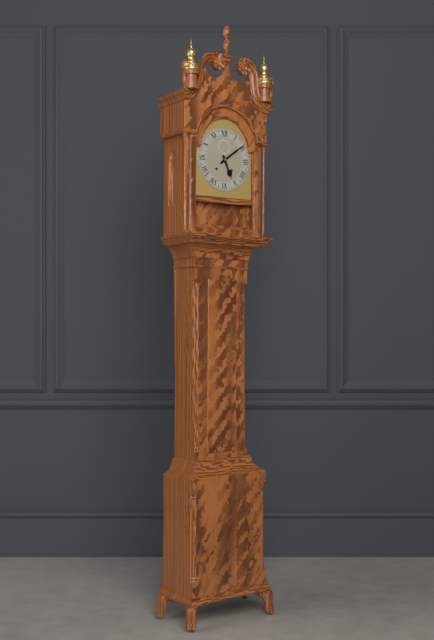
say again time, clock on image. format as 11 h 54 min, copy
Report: 5 h 09 min
